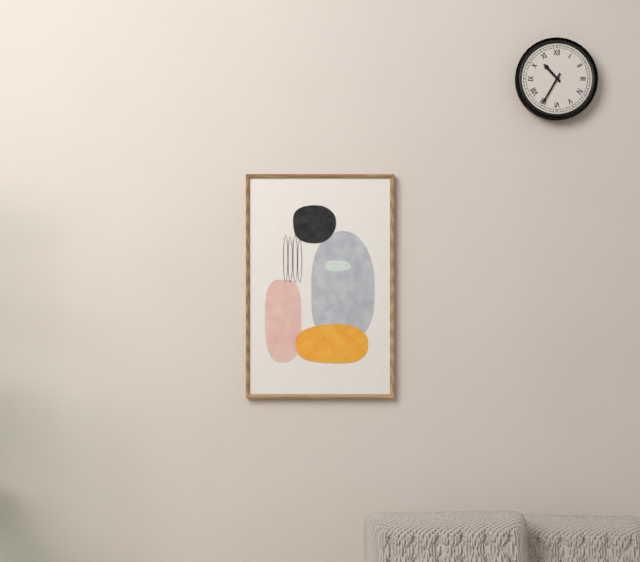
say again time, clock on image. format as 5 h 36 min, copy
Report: 10 h 35 min
